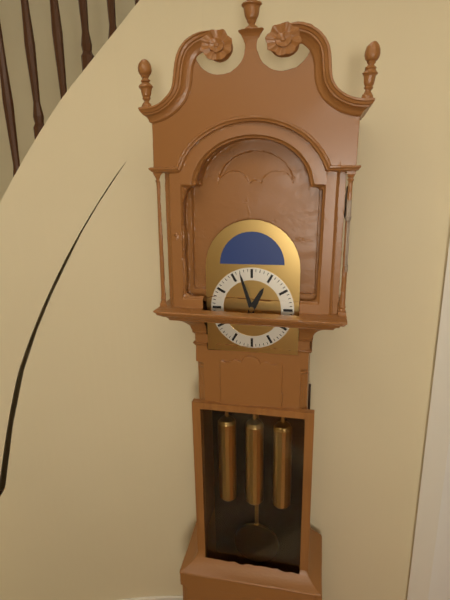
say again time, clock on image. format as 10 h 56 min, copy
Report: 12 h 57 min
